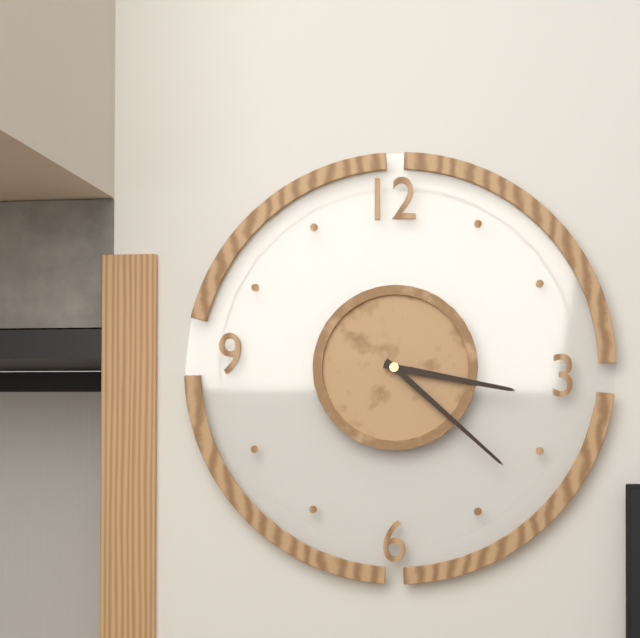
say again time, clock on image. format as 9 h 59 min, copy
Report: 3 h 22 min
